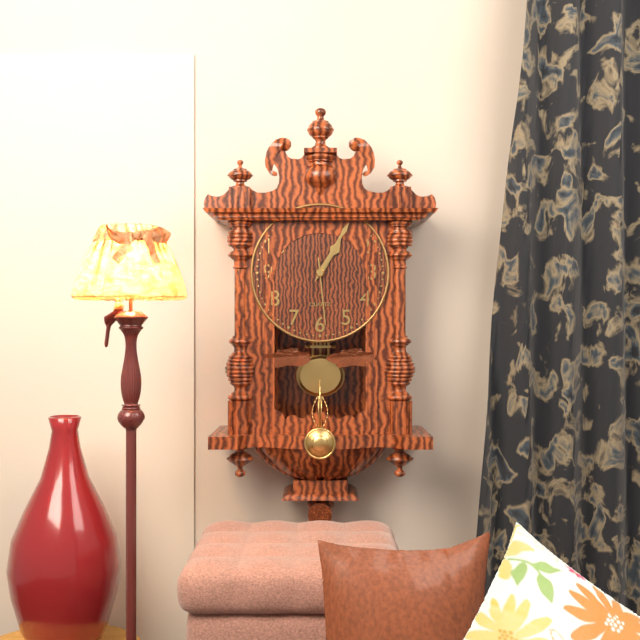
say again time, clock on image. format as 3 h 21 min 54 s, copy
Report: 1 h 05 min 29 s
